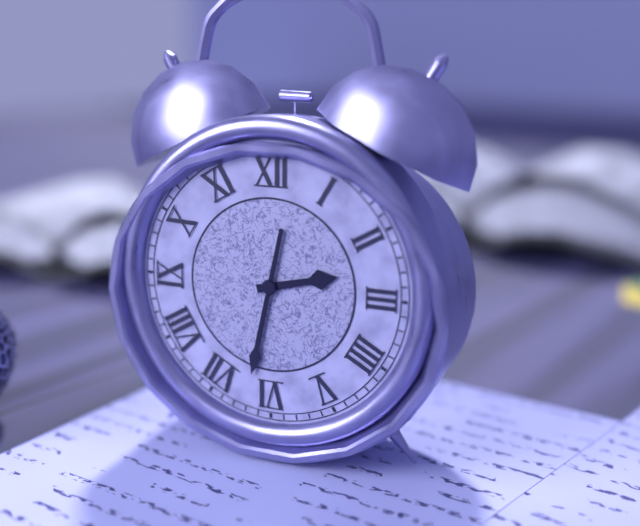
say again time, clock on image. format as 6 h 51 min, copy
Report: 2 h 32 min
